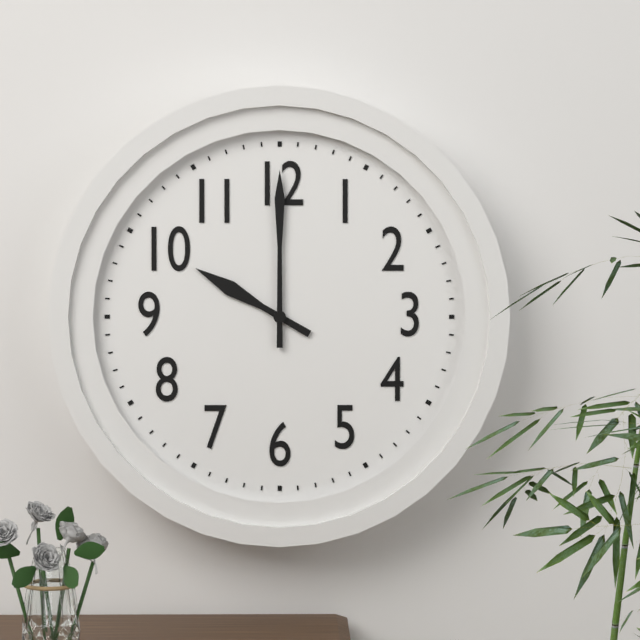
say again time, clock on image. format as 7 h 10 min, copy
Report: 10 h 00 min
